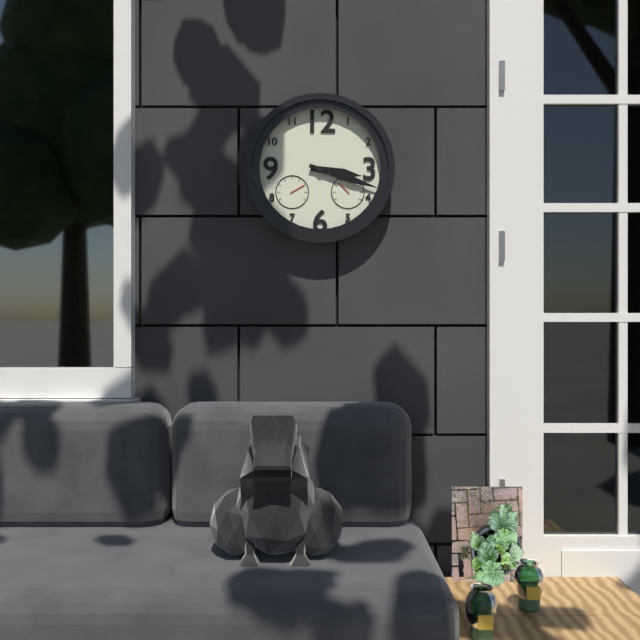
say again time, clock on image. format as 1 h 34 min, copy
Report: 3 h 18 min
